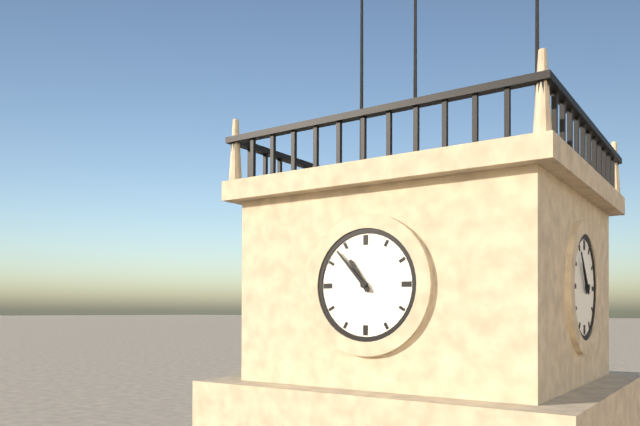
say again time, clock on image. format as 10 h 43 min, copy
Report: 10 h 53 min
